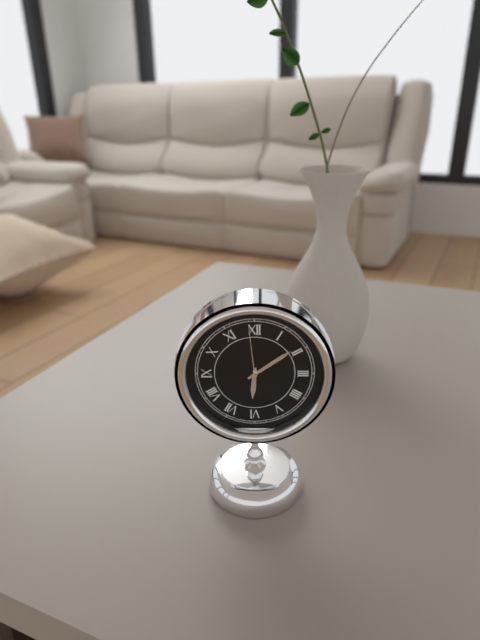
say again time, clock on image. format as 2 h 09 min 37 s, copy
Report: 6 h 09 min 59 s
